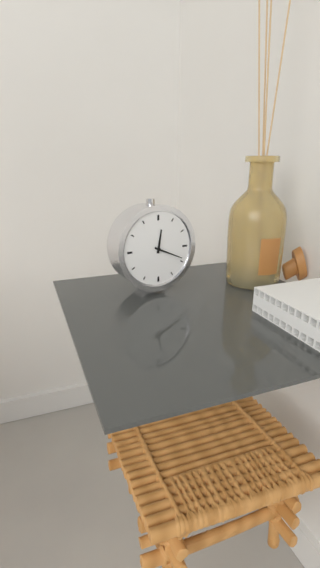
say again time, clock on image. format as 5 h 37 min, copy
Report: 12 h 19 min
